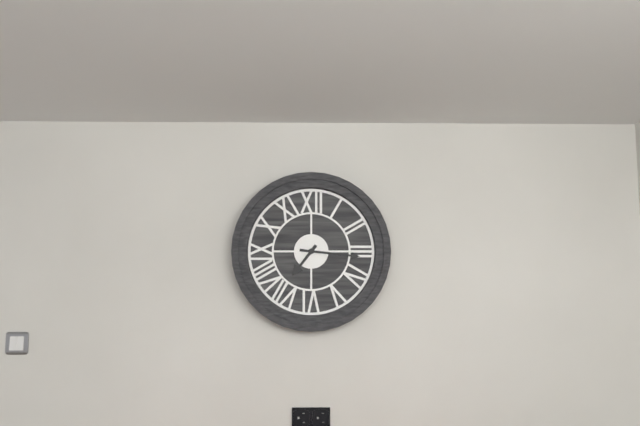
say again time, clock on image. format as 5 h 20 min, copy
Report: 7 h 16 min
